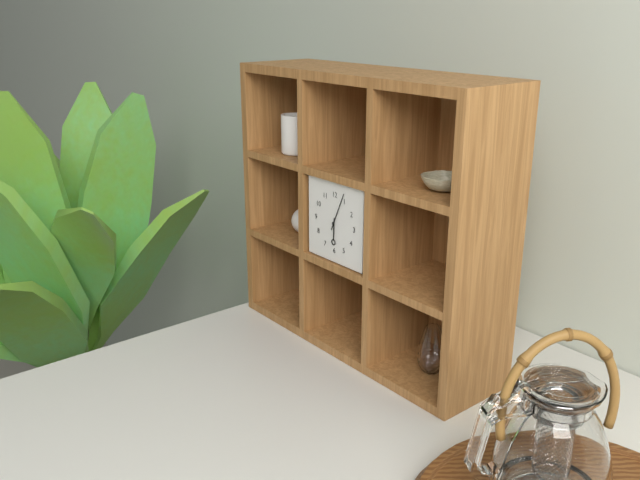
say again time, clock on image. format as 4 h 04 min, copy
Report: 6 h 04 min
